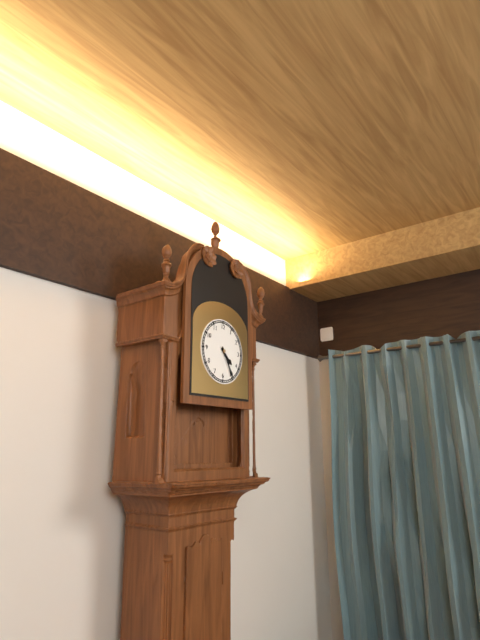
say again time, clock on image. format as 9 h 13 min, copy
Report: 4 h 25 min
